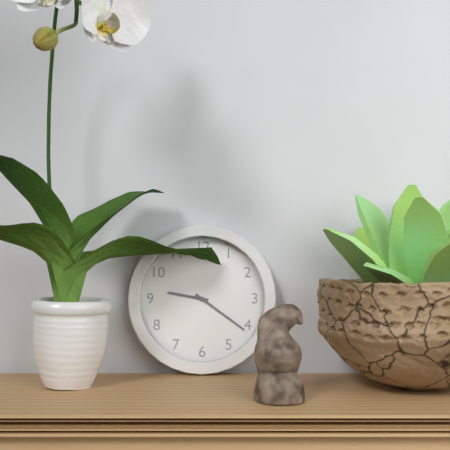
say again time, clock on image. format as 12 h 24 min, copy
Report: 9 h 21 min
